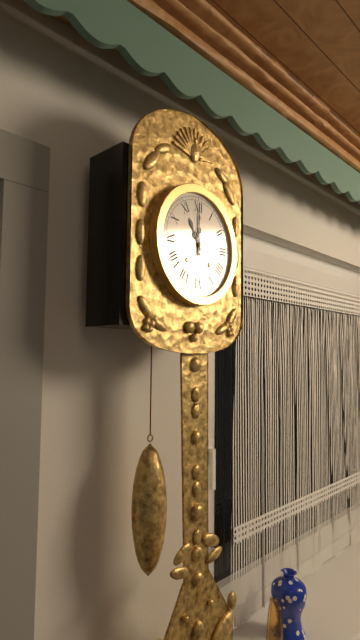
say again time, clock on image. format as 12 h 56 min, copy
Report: 11 h 00 min
